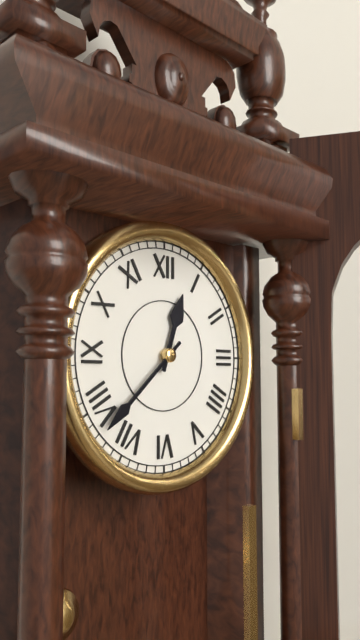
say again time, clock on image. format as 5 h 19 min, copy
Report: 12 h 38 min
